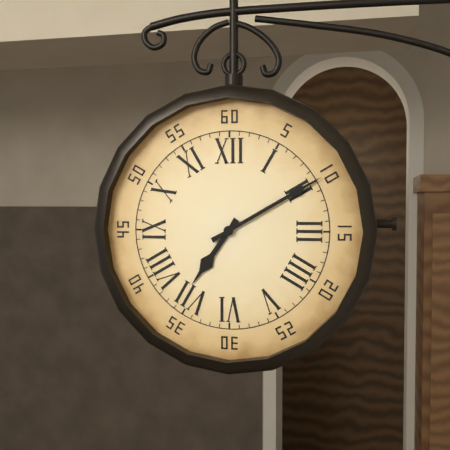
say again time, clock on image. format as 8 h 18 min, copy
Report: 7 h 10 min
